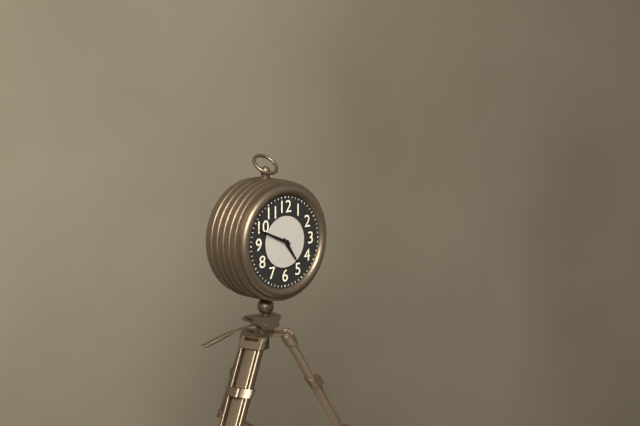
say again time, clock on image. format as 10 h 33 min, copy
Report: 4 h 49 min
